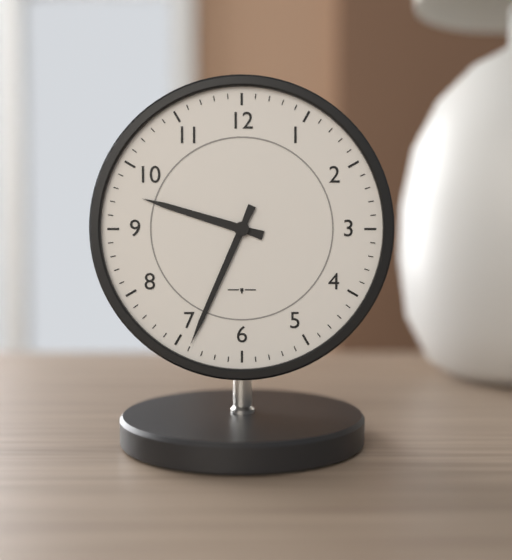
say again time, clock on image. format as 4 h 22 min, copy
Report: 9 h 34 min
